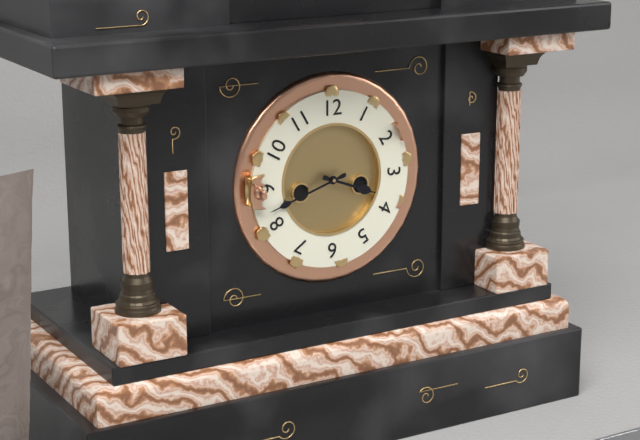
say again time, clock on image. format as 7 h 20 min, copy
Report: 3 h 42 min
